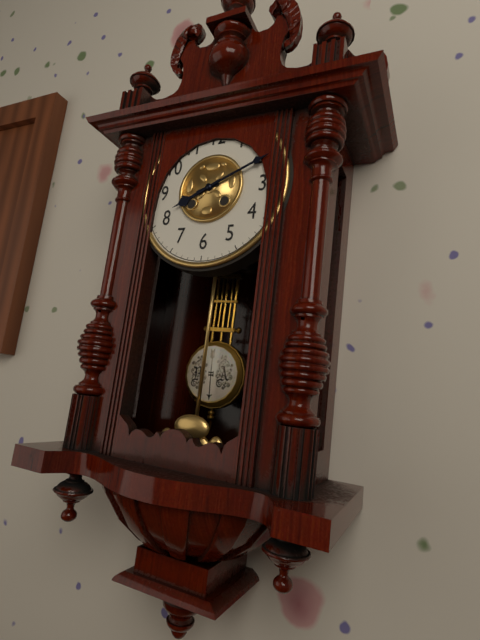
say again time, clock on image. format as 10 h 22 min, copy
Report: 8 h 11 min
